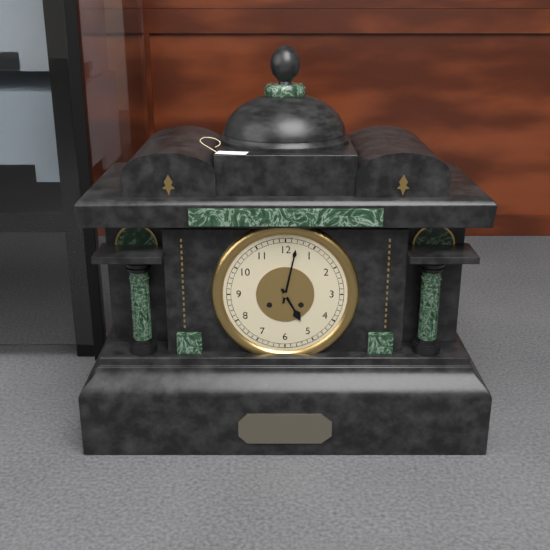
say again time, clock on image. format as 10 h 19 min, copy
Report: 5 h 02 min
